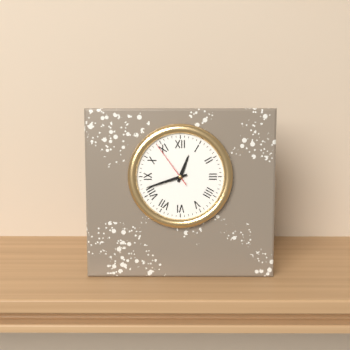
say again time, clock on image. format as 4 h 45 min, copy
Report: 12 h 42 min
